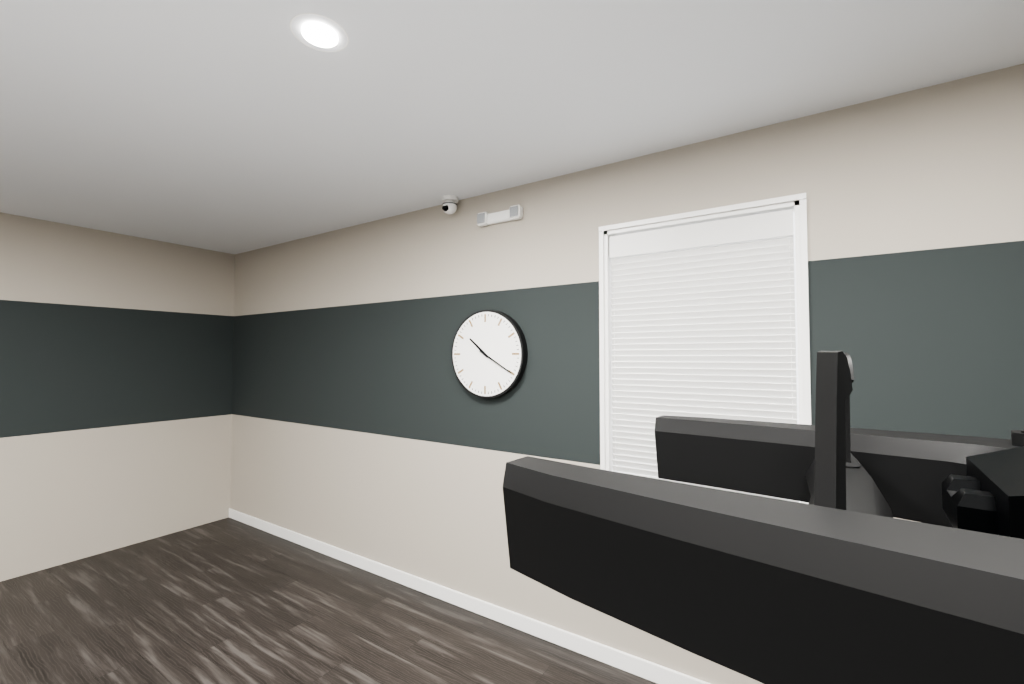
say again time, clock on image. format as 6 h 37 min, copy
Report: 10 h 20 min
